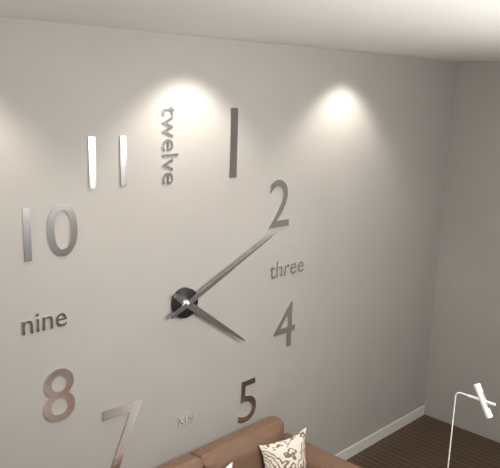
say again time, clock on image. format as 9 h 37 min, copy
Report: 4 h 11 min
